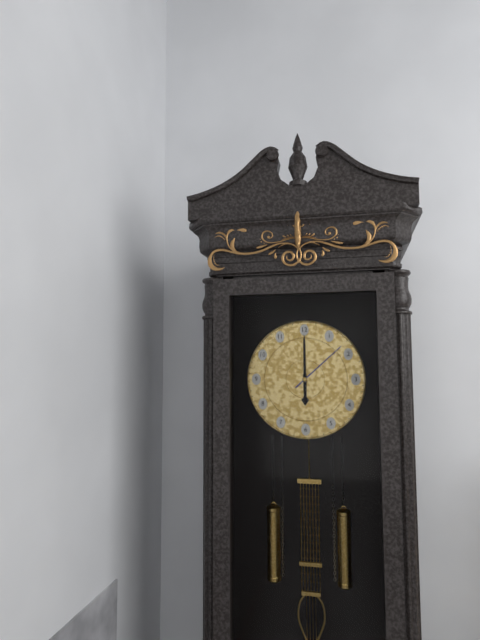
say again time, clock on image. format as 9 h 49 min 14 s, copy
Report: 6 h 00 min 08 s
